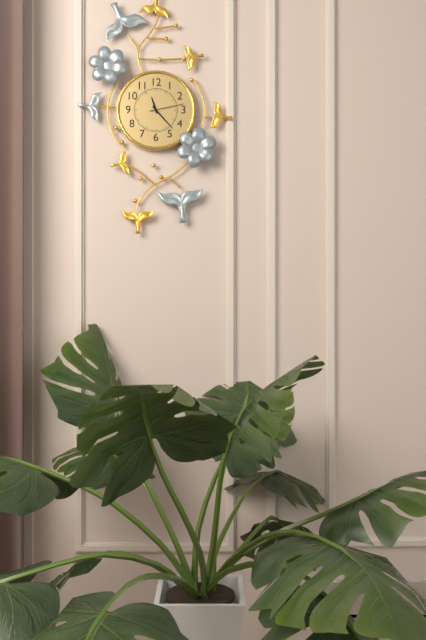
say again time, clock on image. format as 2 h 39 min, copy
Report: 11 h 23 min
